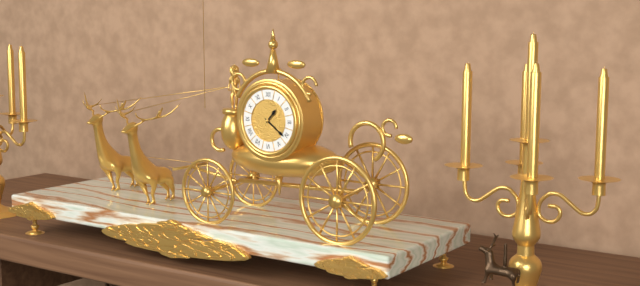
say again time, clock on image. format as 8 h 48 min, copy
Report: 1 h 21 min
